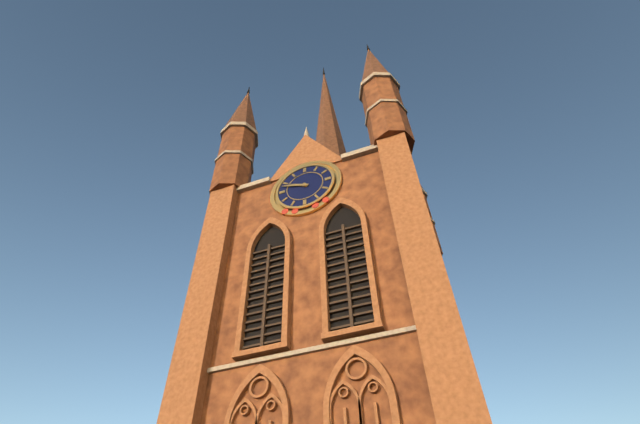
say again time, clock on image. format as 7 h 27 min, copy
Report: 9 h 48 min
